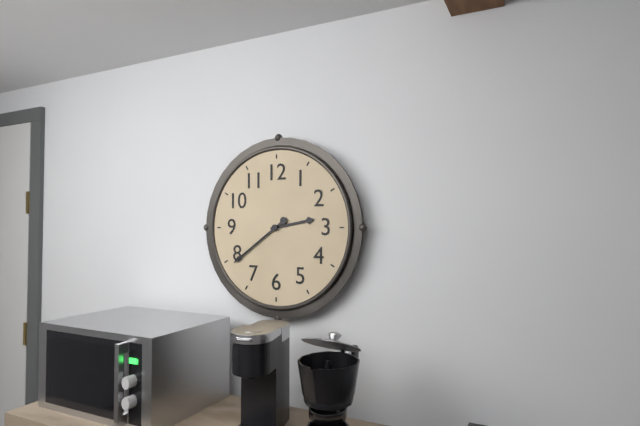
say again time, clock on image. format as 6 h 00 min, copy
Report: 2 h 39 min
